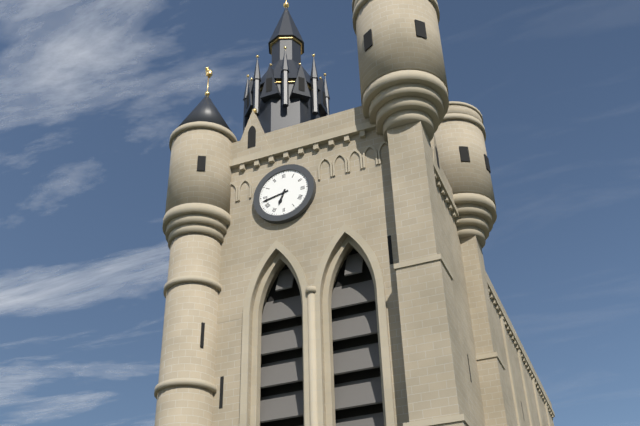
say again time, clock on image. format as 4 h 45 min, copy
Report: 6 h 43 min
